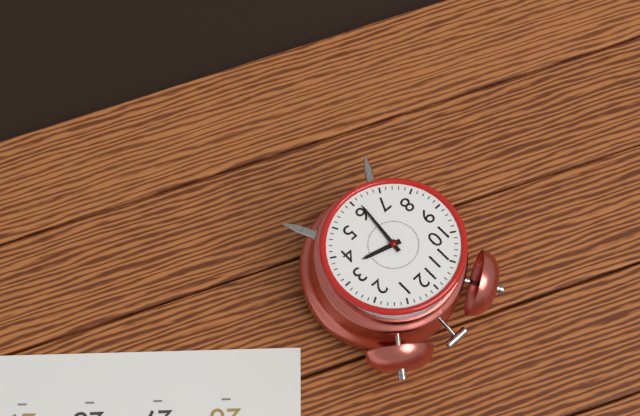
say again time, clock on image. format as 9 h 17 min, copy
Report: 3 h 31 min
